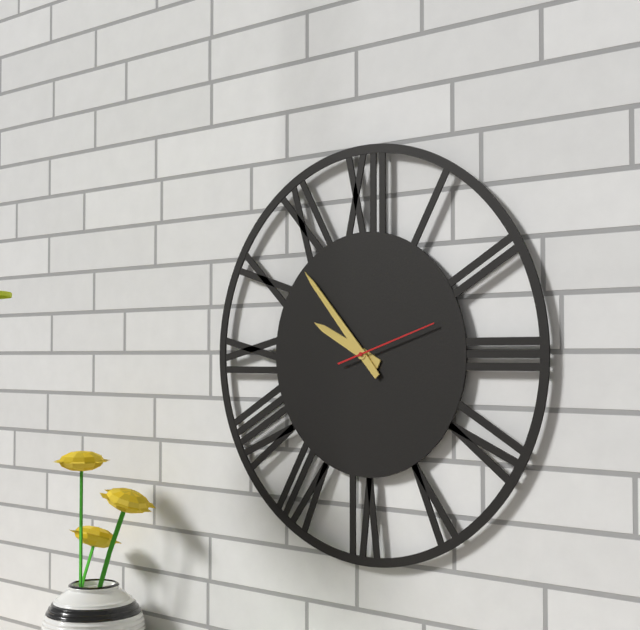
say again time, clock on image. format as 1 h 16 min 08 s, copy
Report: 9 h 53 min 12 s
